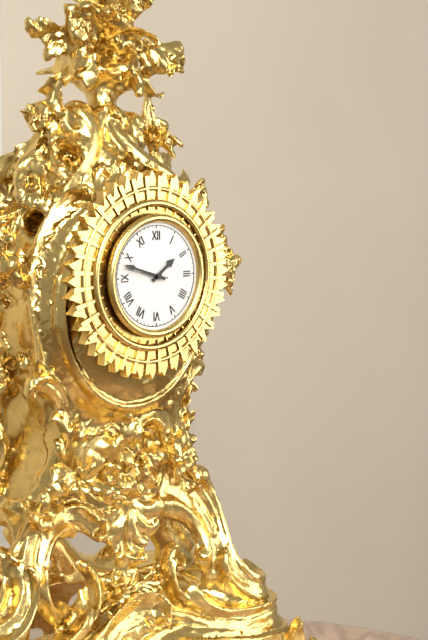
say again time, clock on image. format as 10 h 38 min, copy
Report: 1 h 48 min
